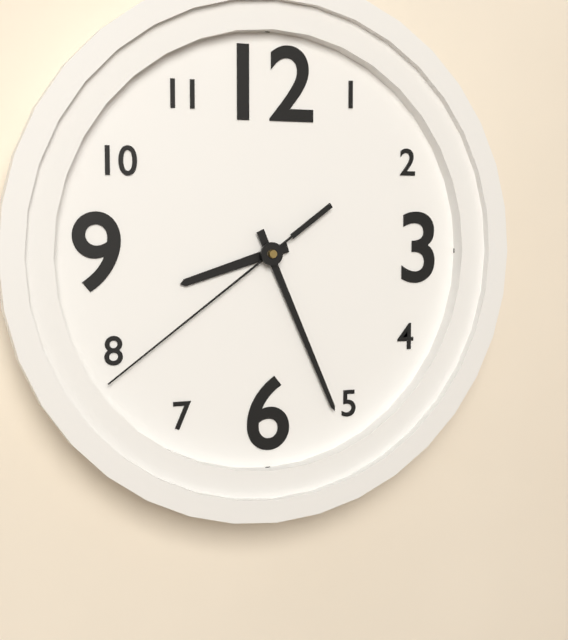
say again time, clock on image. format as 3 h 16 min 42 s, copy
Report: 8 h 26 min 39 s
